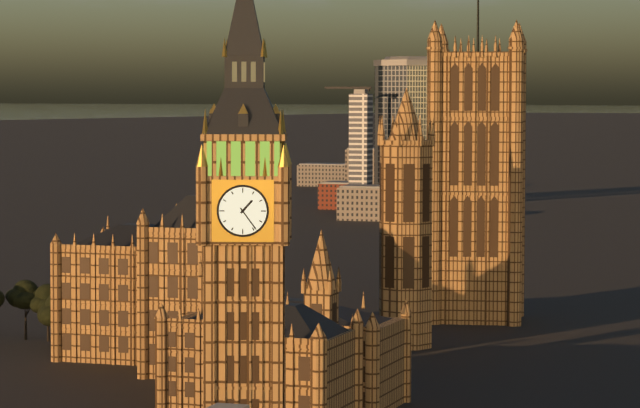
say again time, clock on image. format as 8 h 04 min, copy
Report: 1 h 24 min
